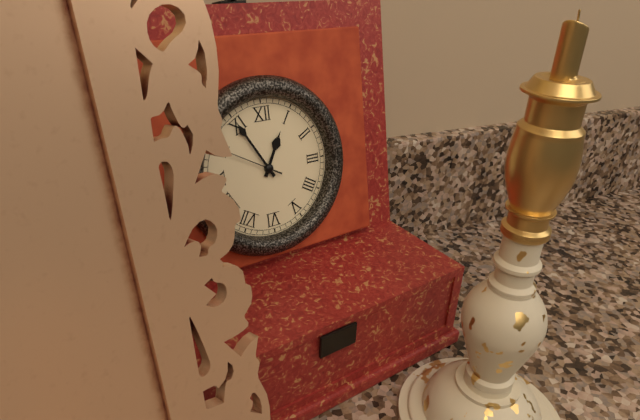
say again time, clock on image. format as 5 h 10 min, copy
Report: 12 h 55 min
